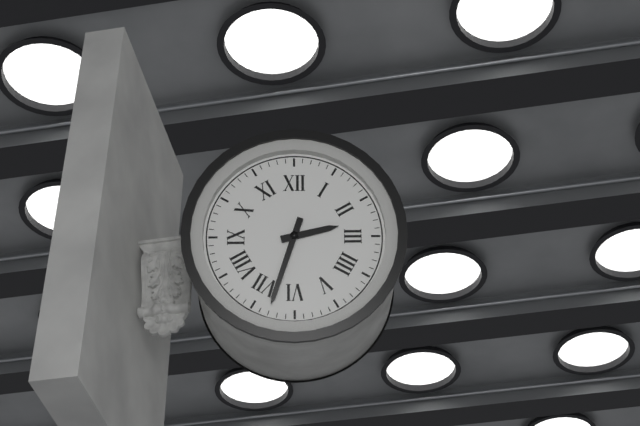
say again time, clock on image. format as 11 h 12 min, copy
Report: 2 h 33 min
